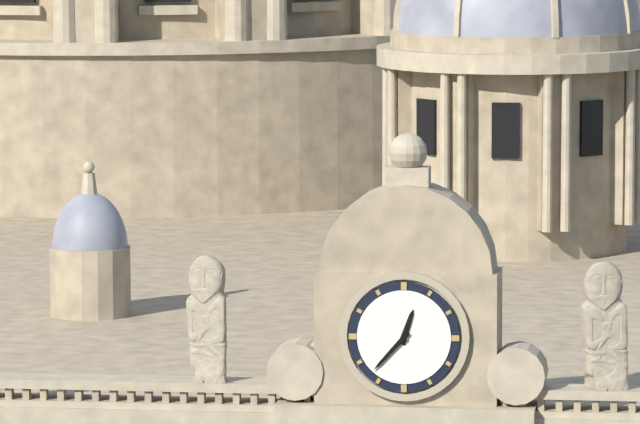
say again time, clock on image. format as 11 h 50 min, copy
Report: 12 h 37 min
